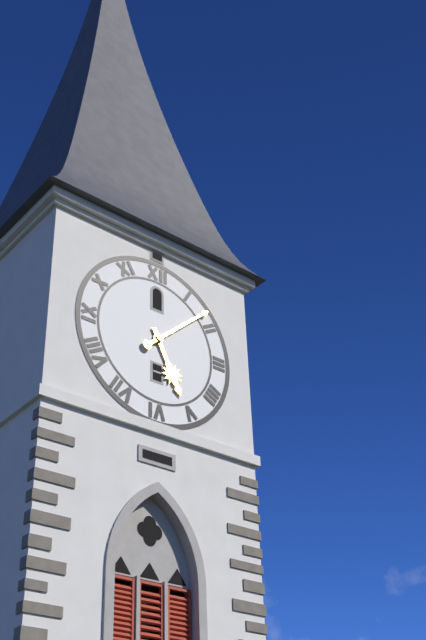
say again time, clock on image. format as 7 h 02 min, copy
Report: 5 h 08 min
